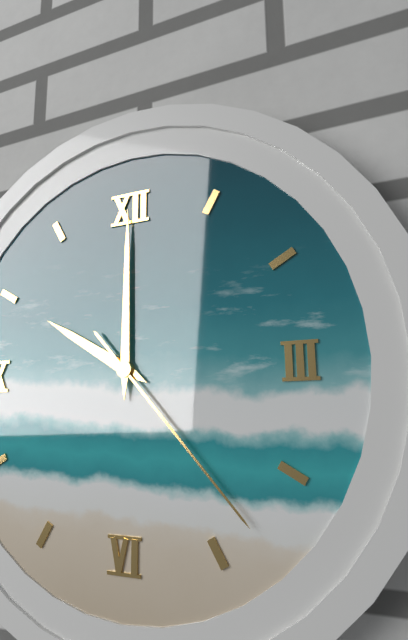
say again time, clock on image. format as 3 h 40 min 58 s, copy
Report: 10 h 00 min 23 s
